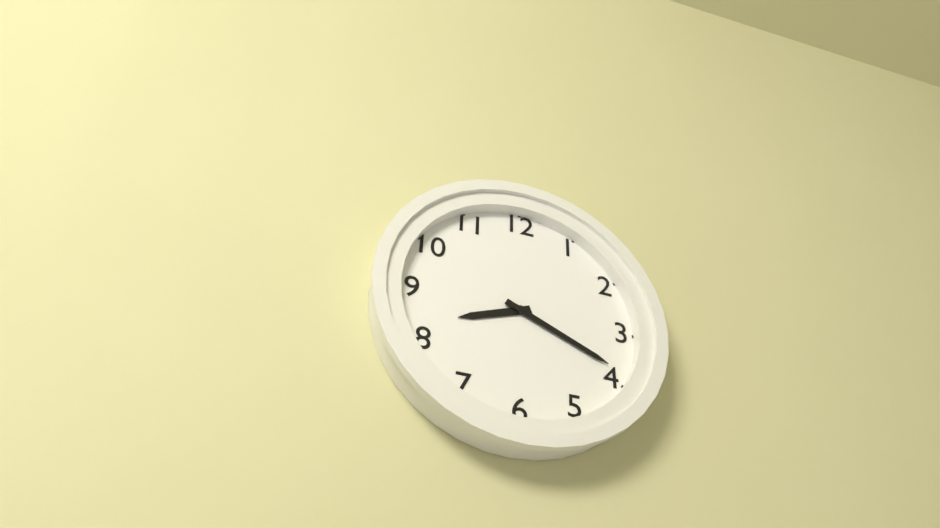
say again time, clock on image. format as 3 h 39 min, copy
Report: 8 h 19 min
